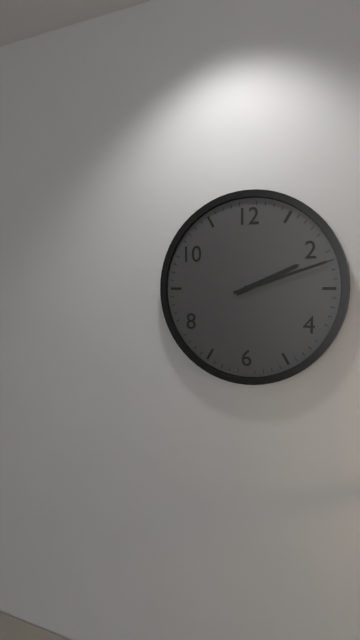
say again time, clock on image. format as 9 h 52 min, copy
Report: 2 h 12 min
